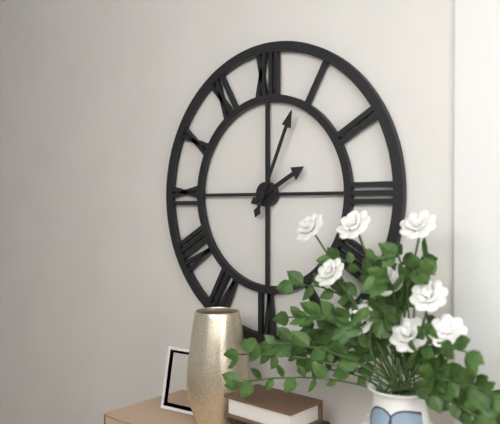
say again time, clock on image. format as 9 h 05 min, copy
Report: 2 h 04 min
